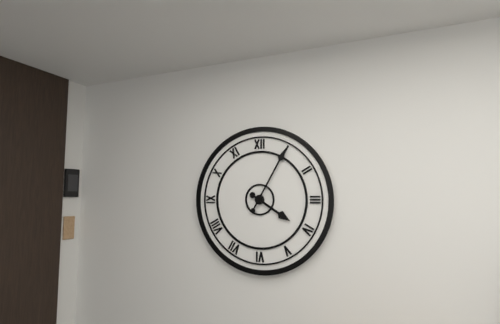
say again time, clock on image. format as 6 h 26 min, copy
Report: 4 h 05 min
